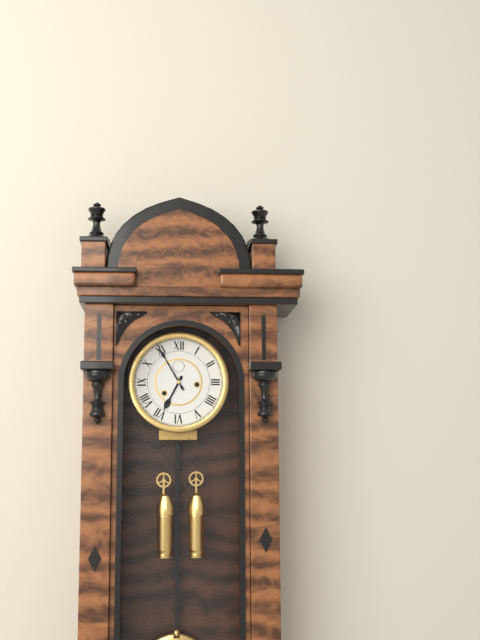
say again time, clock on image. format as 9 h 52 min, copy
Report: 6 h 55 min
